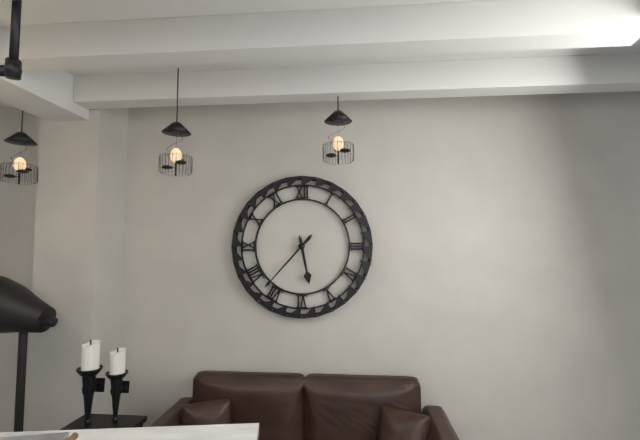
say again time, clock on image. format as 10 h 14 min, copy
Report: 5 h 37 min
